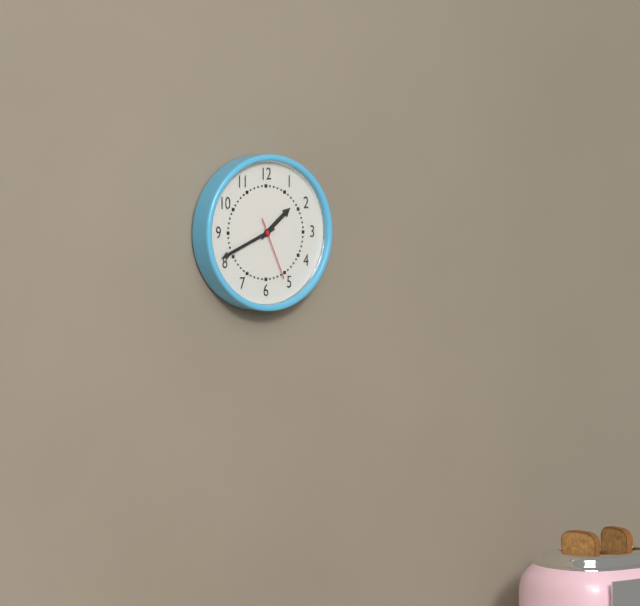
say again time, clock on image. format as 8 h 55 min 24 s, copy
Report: 1 h 41 min 26 s
